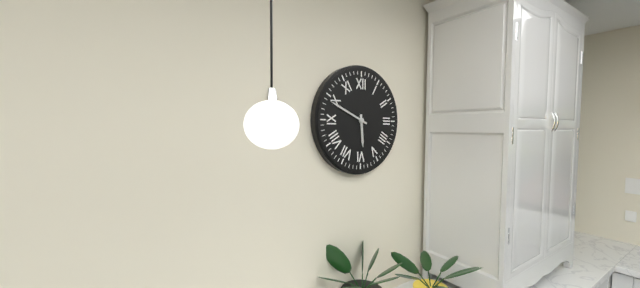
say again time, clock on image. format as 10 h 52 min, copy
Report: 5 h 49 min
